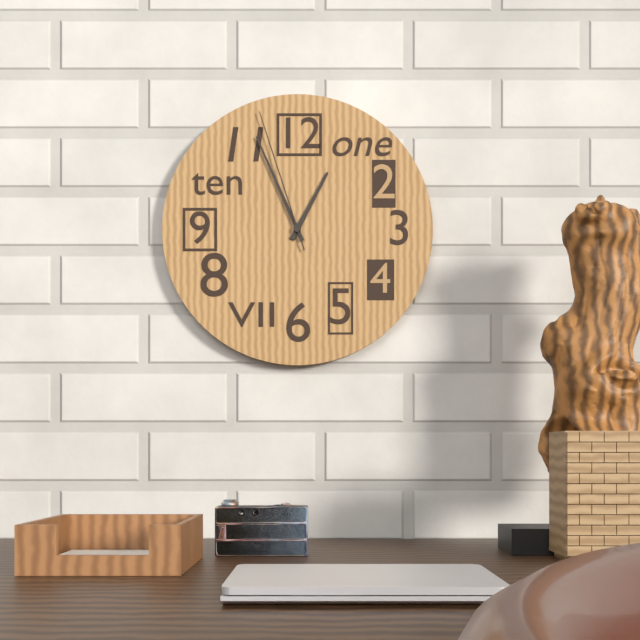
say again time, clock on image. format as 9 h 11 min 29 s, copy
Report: 12 h 56 min 57 s
